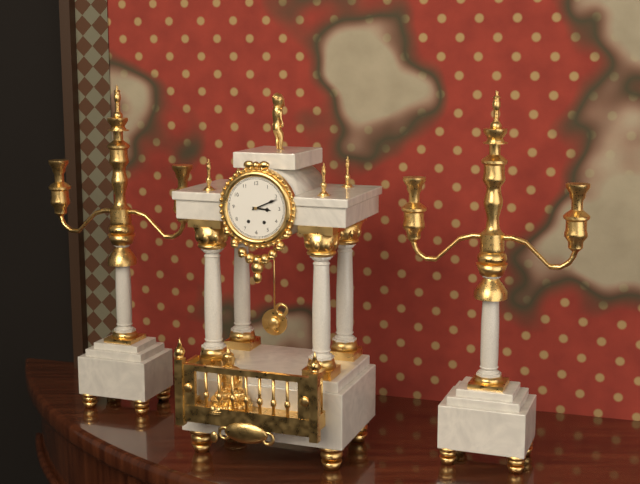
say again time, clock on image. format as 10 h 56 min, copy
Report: 3 h 11 min
